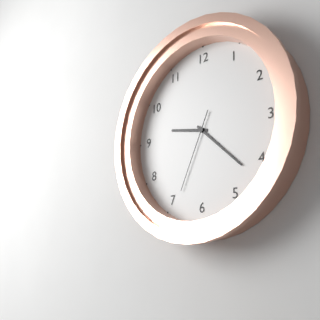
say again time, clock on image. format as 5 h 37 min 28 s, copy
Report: 9 h 22 min 34 s
